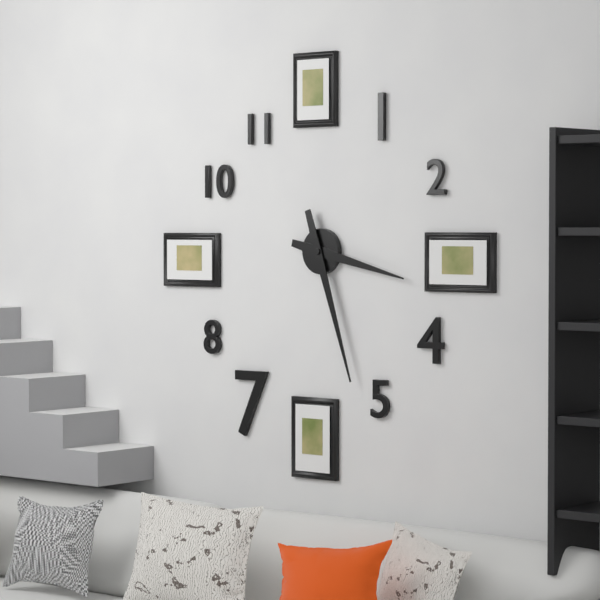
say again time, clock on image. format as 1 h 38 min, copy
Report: 3 h 27 min
